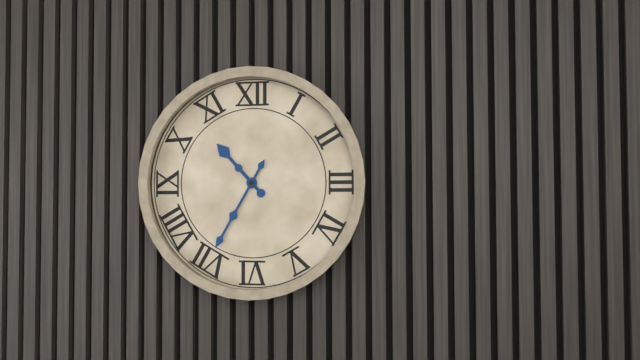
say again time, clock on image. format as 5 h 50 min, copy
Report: 10 h 35 min
